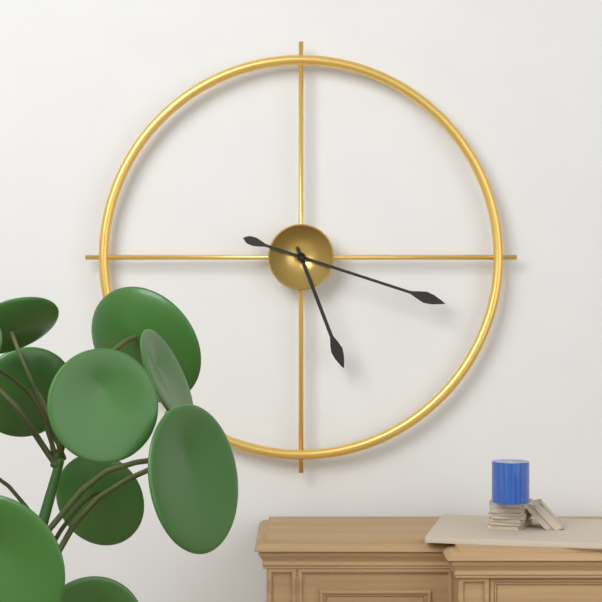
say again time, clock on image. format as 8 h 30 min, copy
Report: 5 h 18 min
